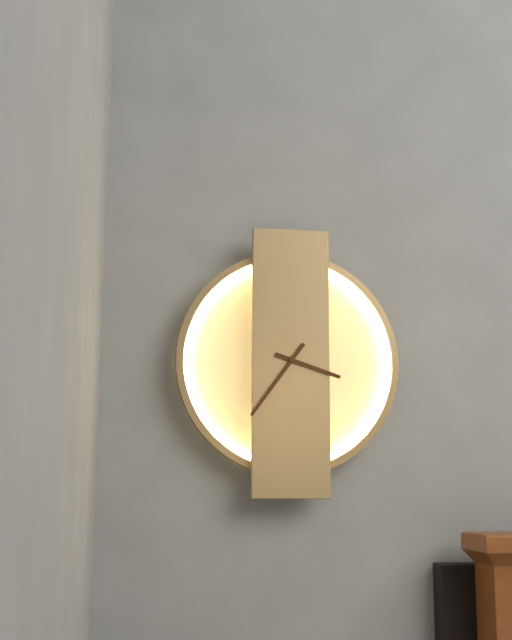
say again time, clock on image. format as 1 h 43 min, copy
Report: 3 h 36 min
